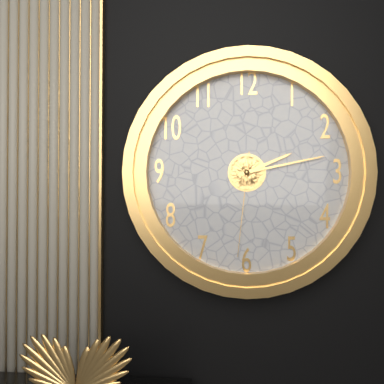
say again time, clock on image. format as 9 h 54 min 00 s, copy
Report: 2 h 13 min 31 s
